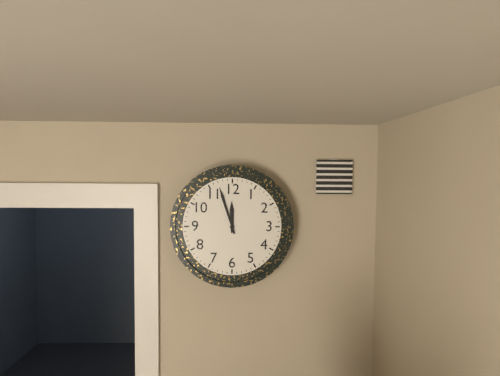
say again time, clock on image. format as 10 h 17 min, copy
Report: 11 h 57 min
